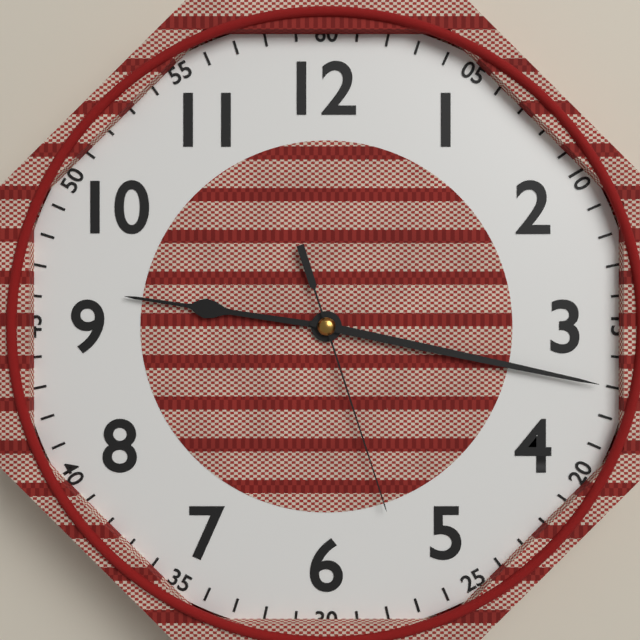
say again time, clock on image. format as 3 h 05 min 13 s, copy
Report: 9 h 17 min 27 s
